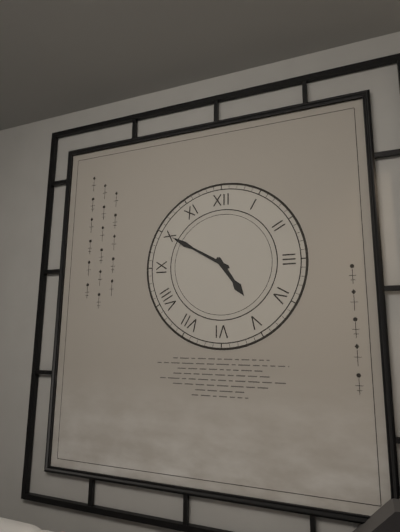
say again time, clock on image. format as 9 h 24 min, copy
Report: 4 h 50 min
